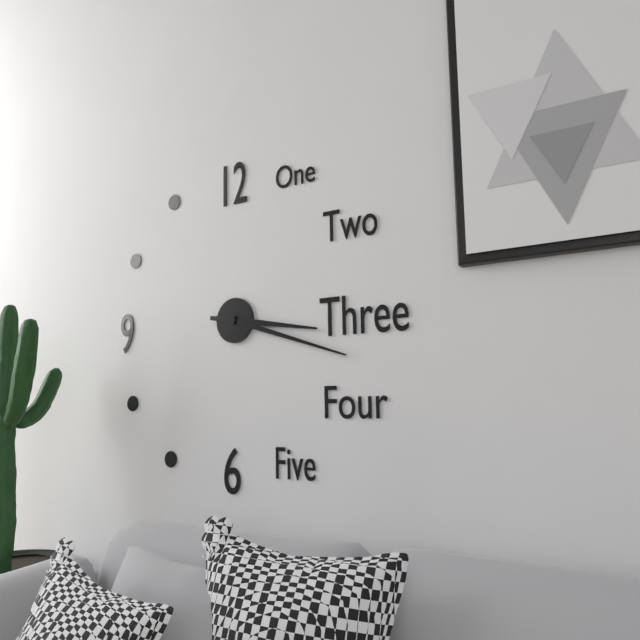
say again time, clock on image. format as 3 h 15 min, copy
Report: 3 h 18 min
